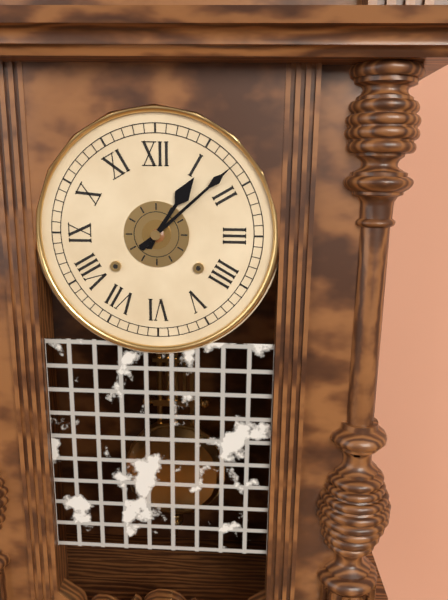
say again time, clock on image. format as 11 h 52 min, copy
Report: 1 h 08 min
